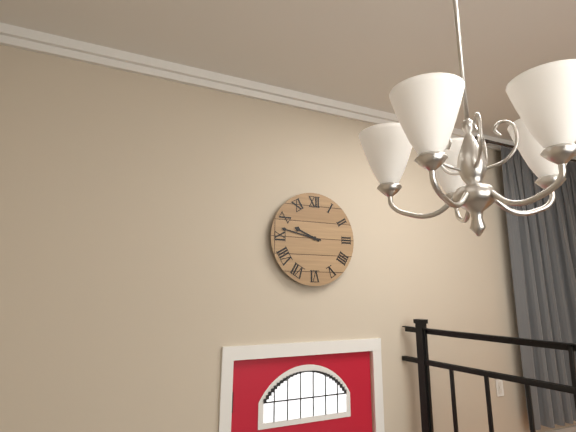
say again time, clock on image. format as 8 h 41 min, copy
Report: 9 h 47 min
